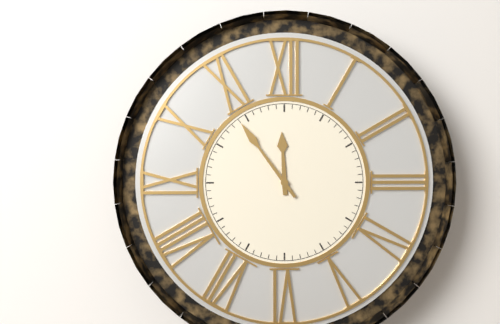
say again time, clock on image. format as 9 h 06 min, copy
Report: 11 h 54 min
